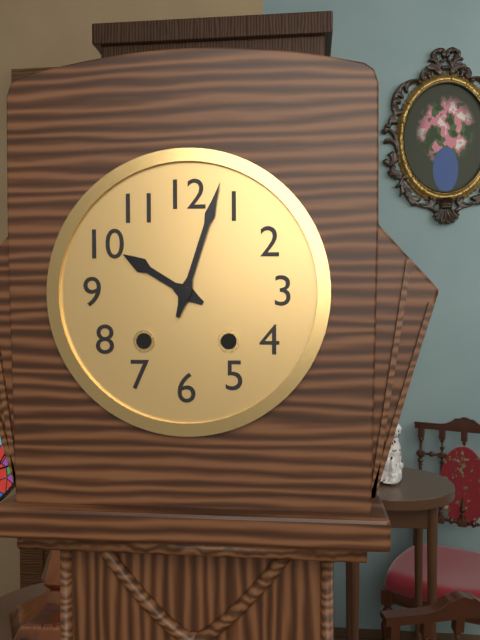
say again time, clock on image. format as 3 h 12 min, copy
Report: 10 h 03 min
